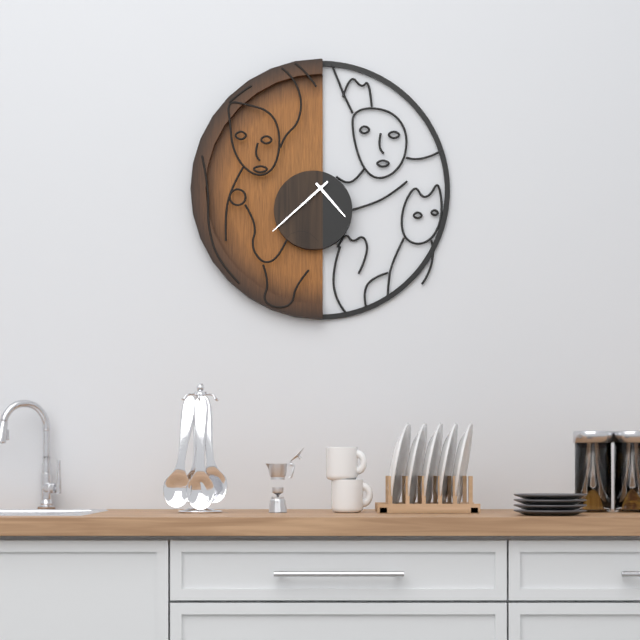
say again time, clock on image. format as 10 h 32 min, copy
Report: 4 h 38 min
